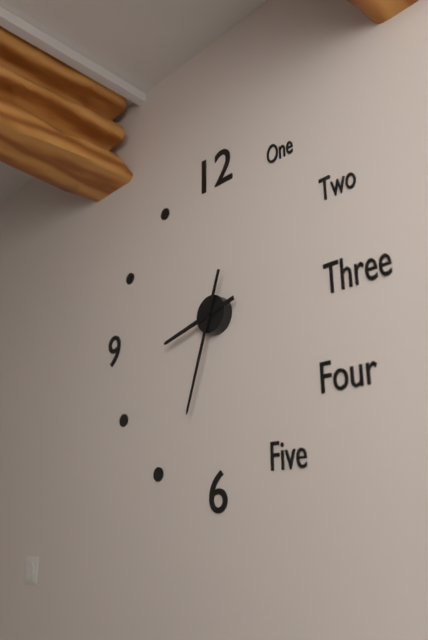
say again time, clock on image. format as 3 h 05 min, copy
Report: 8 h 33 min
